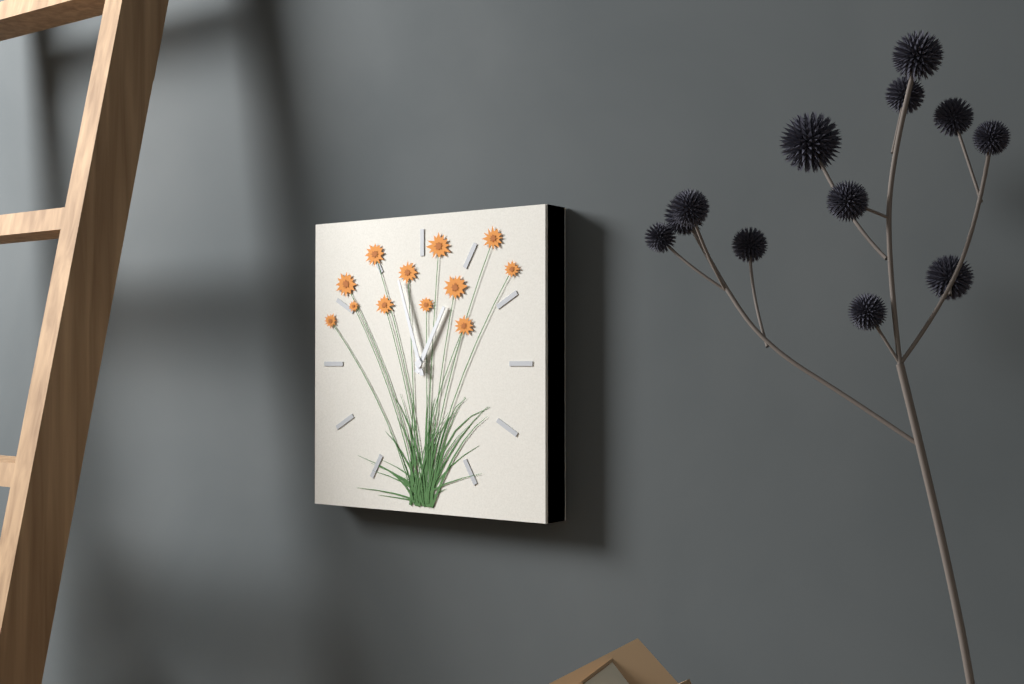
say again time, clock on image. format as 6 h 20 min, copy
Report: 12 h 57 min
